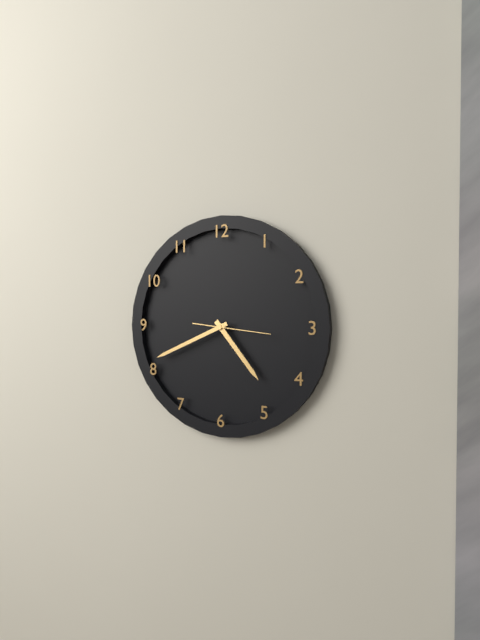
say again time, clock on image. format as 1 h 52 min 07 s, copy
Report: 4 h 41 min 16 s
